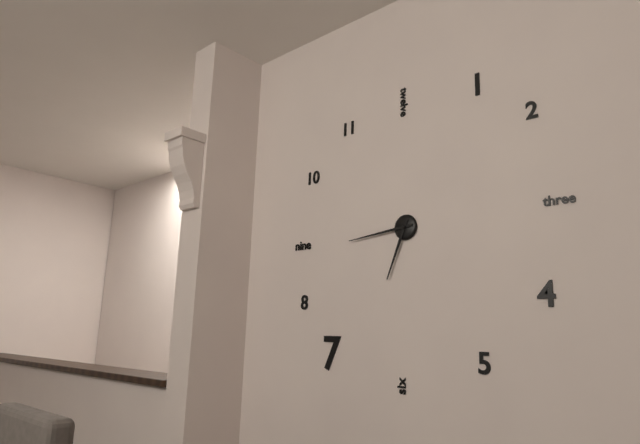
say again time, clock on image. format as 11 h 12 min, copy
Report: 6 h 44 min
